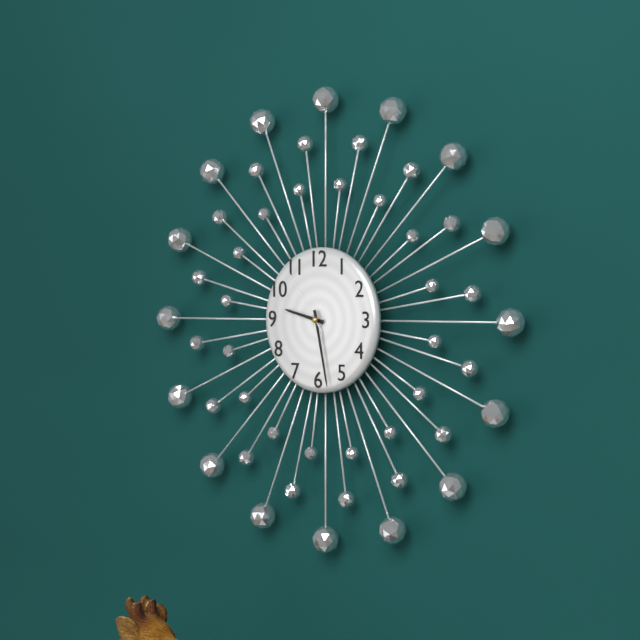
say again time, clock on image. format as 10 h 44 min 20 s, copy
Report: 9 h 28 min 54 s
